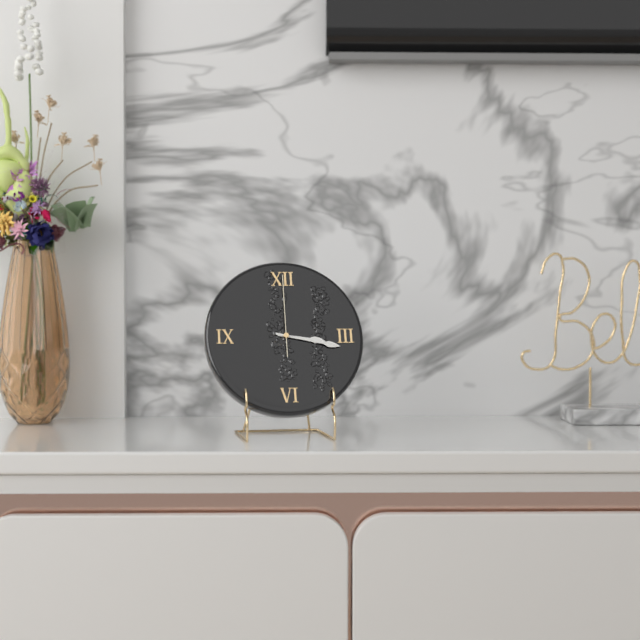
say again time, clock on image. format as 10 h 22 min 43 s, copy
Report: 3 h 17 min 00 s
